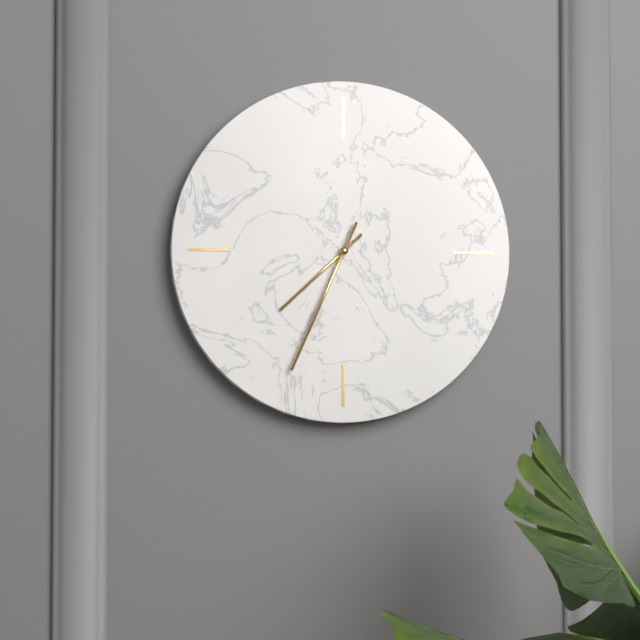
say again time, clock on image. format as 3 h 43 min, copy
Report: 7 h 34 min
